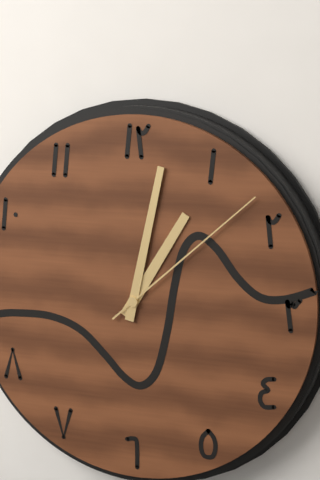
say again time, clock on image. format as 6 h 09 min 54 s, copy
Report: 1 h 02 min 08 s
